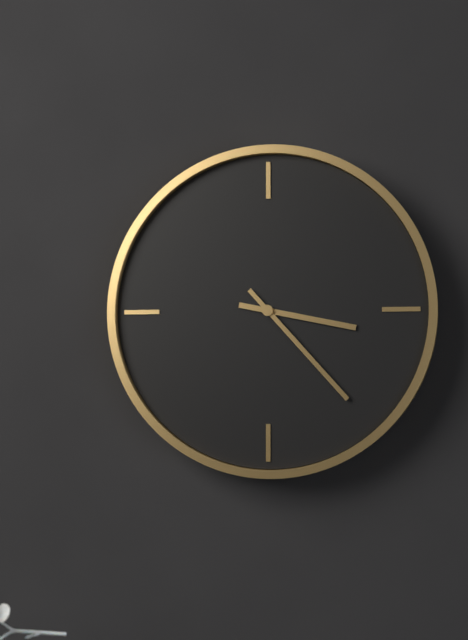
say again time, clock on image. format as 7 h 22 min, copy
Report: 3 h 23 min
